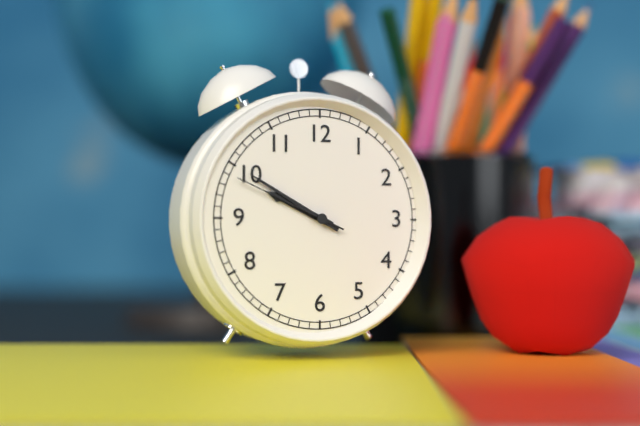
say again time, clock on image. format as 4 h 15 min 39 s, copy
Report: 9 h 50 min 49 s
